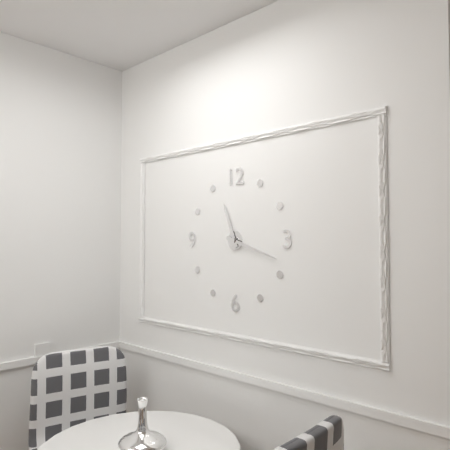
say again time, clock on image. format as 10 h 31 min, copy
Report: 11 h 18 min
